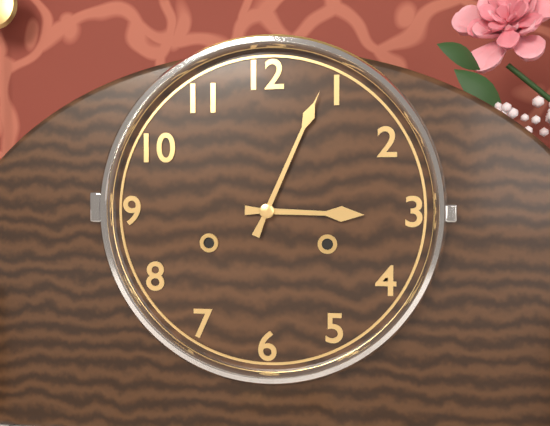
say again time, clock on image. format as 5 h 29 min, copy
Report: 3 h 04 min
